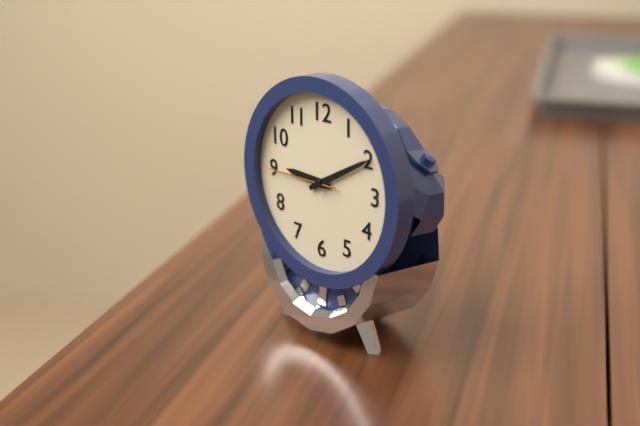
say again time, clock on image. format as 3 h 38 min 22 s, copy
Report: 9 h 10 min 45 s
